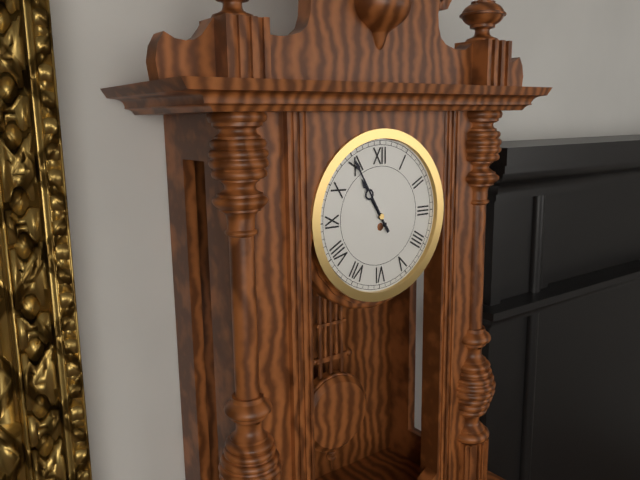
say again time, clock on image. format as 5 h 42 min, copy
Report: 10 h 55 min
